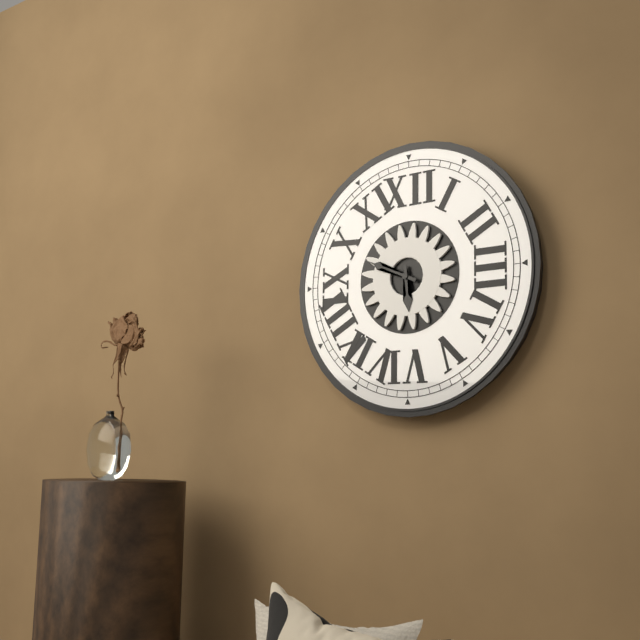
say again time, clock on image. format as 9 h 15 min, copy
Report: 5 h 49 min
